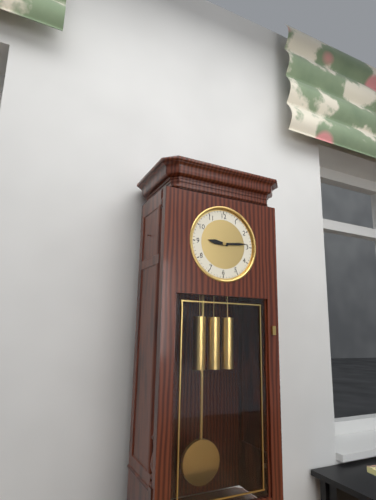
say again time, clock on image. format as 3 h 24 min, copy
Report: 9 h 14 min
